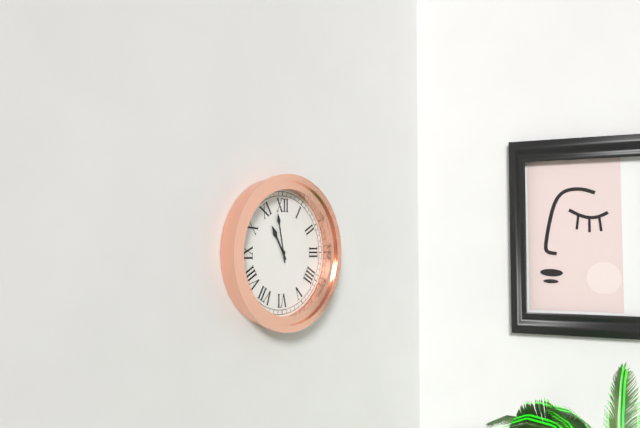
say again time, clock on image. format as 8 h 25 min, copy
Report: 10 h 58 min
